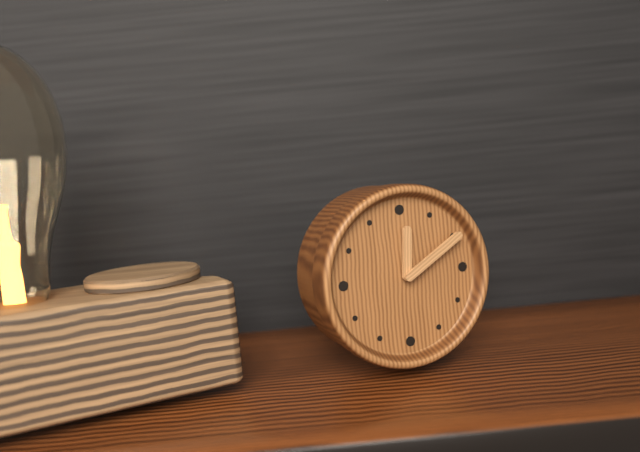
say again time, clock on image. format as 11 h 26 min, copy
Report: 12 h 10 min
